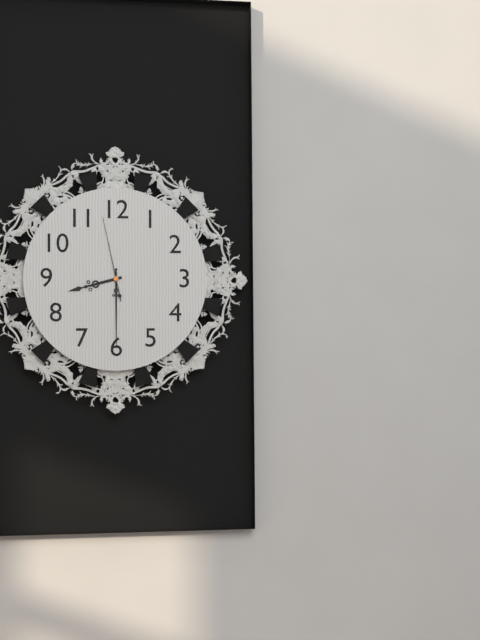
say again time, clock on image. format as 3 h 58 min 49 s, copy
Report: 8 h 30 min 58 s
